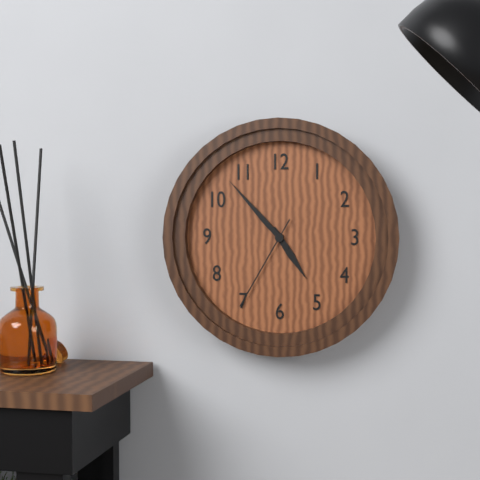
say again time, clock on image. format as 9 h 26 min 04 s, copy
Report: 4 h 53 min 35 s
